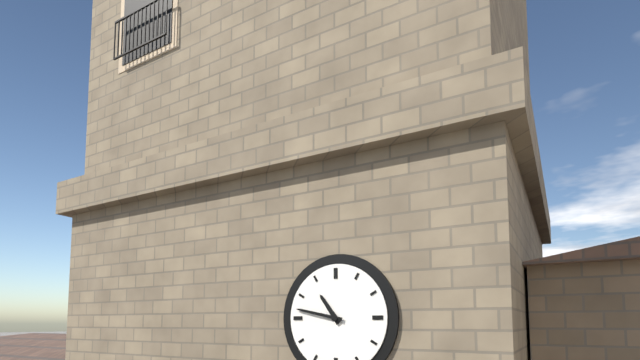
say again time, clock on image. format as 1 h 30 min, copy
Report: 10 h 47 min
